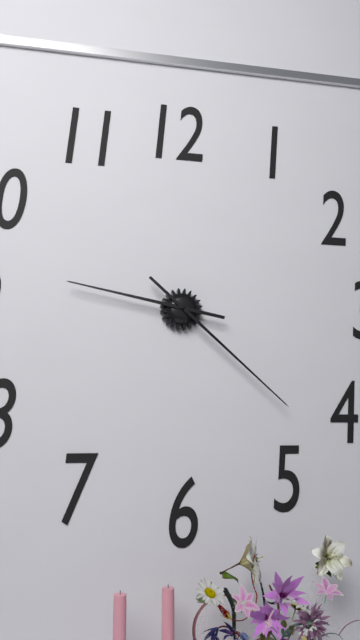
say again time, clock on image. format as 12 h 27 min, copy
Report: 9 h 22 min
